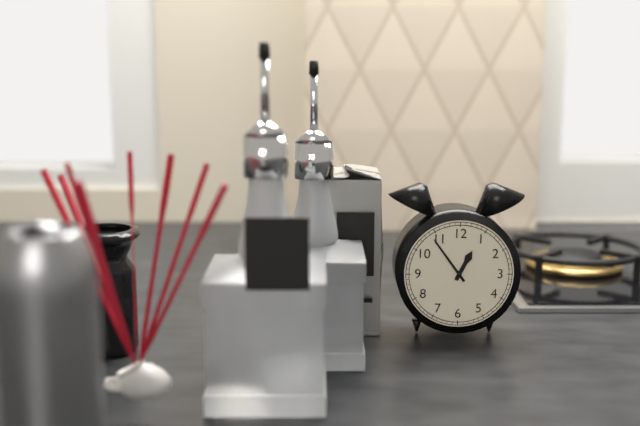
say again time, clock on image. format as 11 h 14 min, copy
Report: 12 h 54 min
